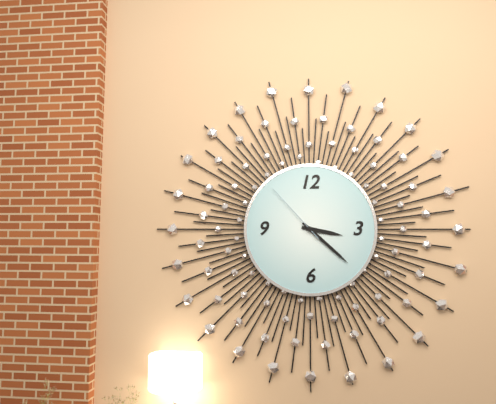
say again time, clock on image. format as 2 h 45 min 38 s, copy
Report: 3 h 22 min 53 s
